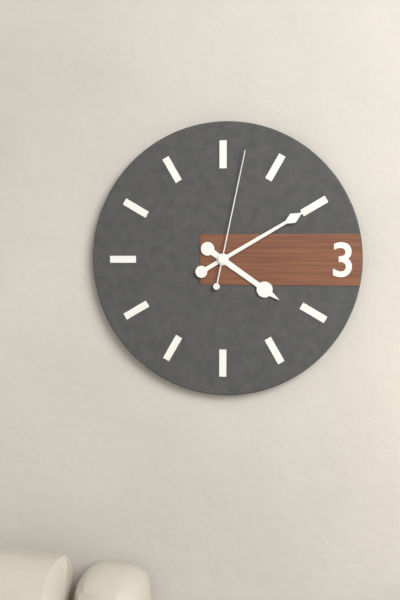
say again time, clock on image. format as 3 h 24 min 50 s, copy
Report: 4 h 10 min 02 s
